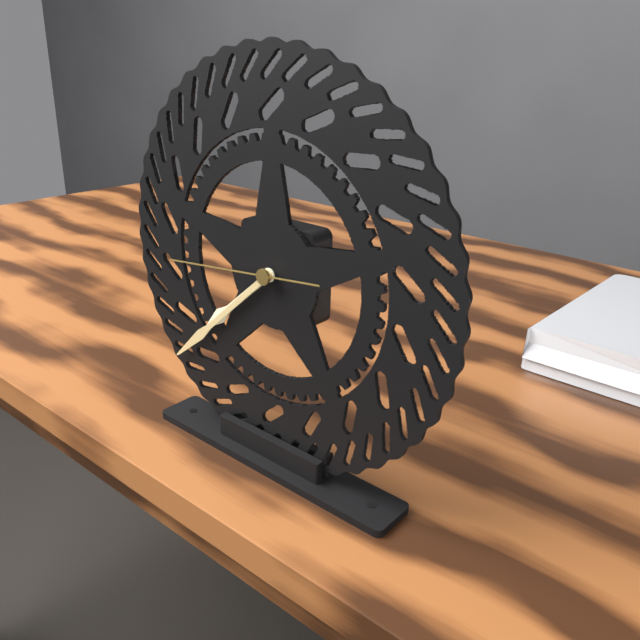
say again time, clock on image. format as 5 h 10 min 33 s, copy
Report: 7 h 38 min 44 s
